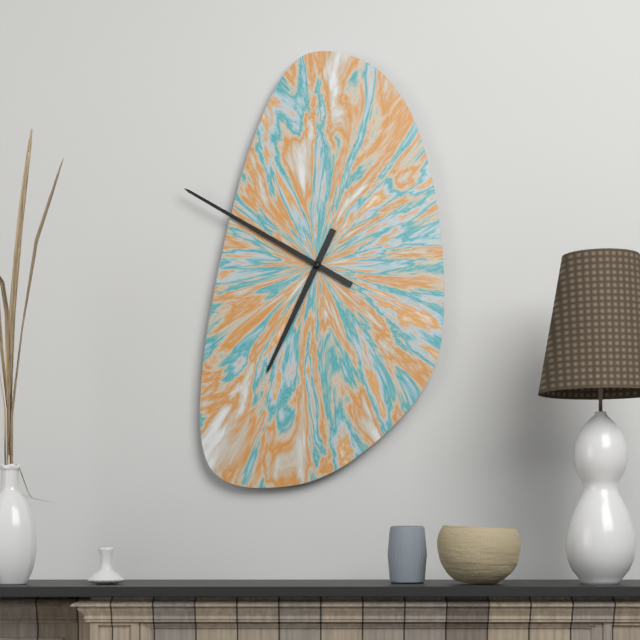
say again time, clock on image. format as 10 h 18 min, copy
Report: 6 h 50 min
